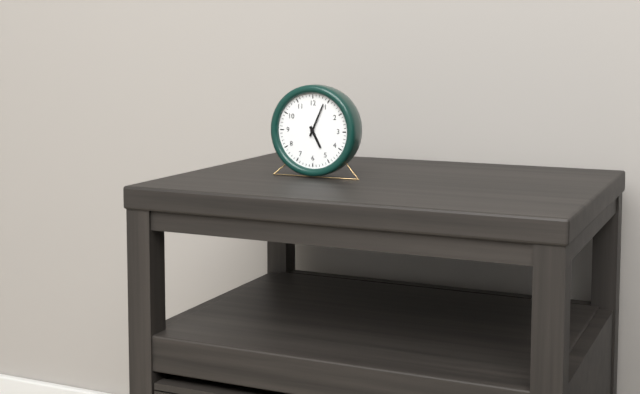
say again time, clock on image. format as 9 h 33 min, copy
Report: 5 h 04 min
